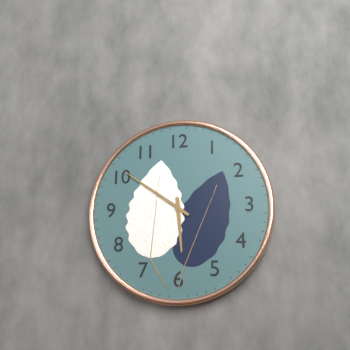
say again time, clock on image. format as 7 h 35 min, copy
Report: 5 h 51 min
